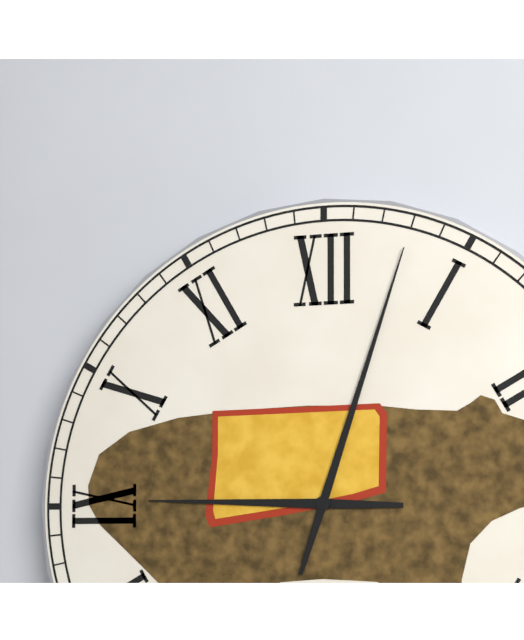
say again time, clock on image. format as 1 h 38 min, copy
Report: 9 h 03 min
